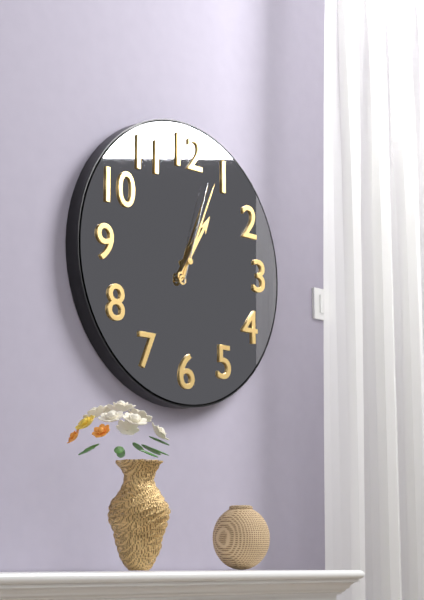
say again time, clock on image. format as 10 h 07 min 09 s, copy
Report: 1 h 04 min 03 s
